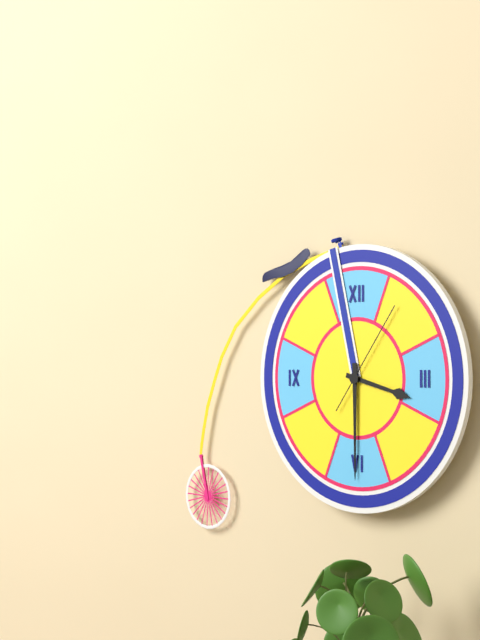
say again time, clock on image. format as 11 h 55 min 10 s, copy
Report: 3 h 30 min 06 s
